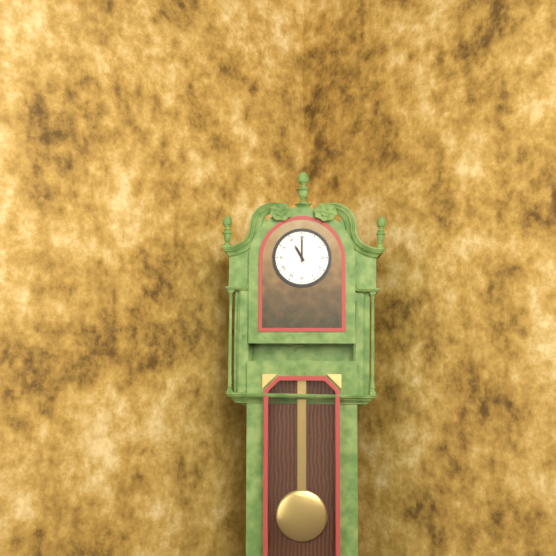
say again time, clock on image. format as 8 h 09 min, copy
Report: 11 h 00 min
